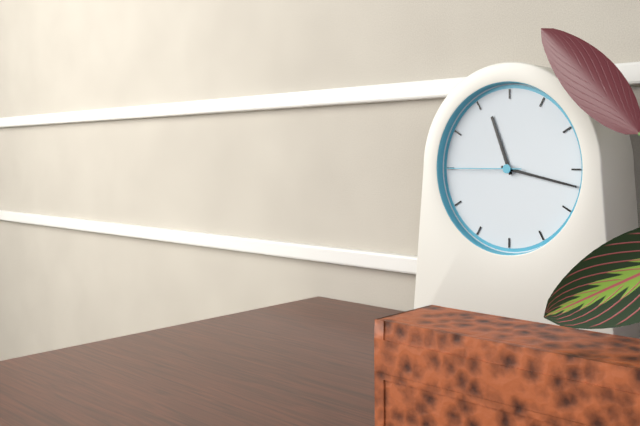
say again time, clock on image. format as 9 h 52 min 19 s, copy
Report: 11 h 17 min 45 s
